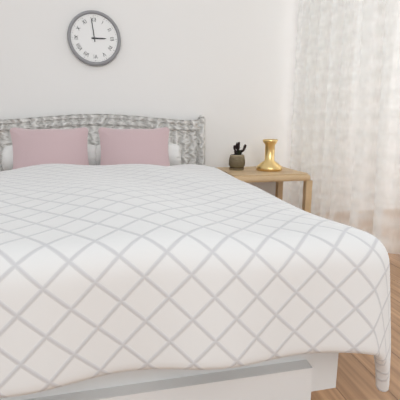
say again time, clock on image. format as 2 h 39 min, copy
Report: 2 h 59 min
